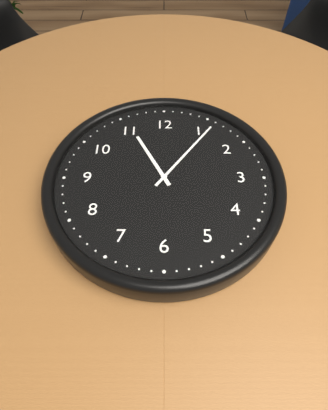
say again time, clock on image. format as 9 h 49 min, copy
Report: 11 h 06 min
